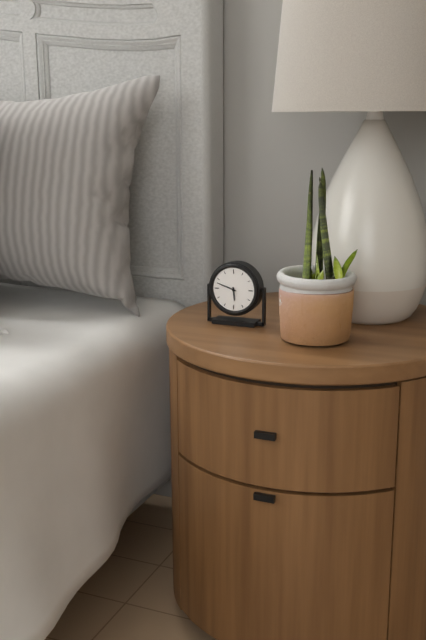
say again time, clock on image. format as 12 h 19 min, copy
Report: 5 h 48 min
